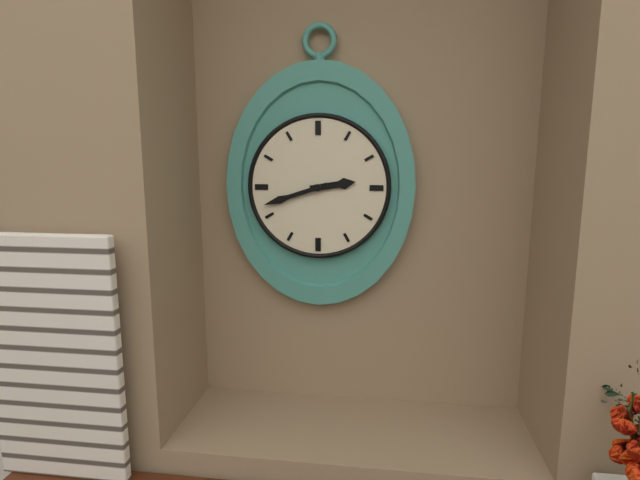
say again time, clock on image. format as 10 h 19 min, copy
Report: 2 h 42 min
